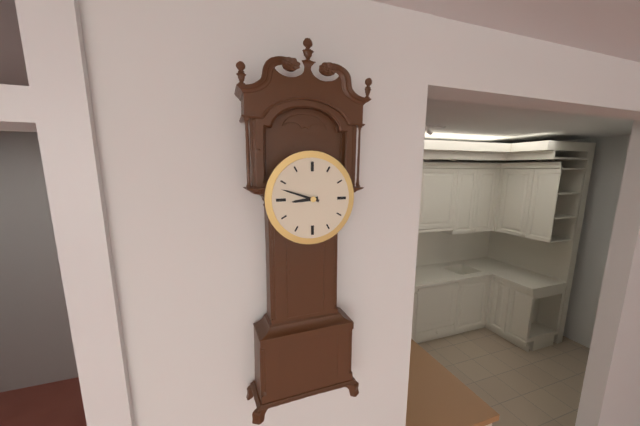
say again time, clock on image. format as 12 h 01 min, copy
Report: 8 h 48 min
